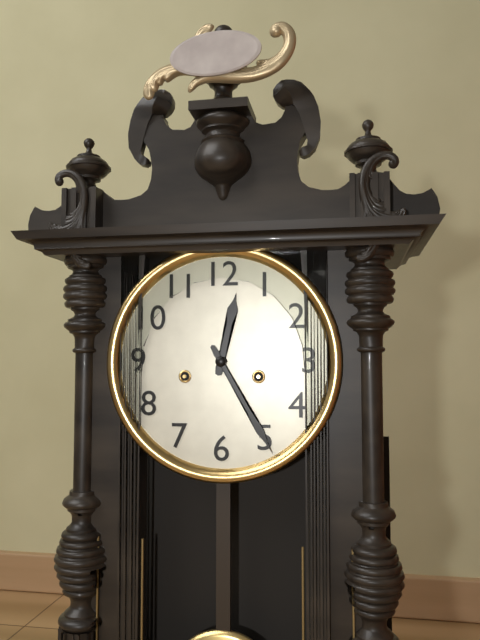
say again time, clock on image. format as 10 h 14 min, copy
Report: 12 h 25 min
